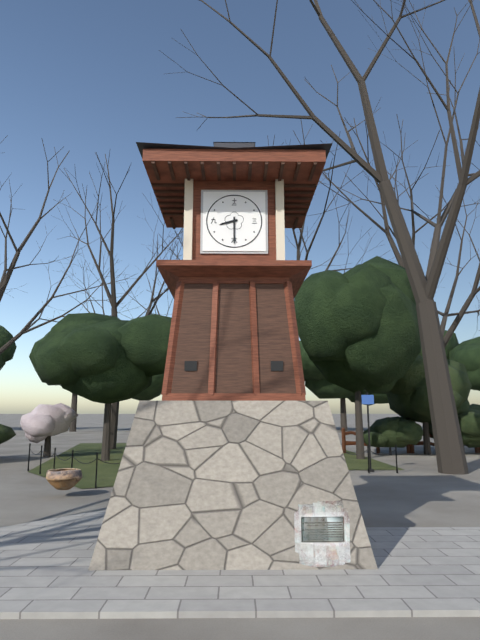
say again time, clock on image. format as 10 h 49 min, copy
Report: 8 h 30 min
